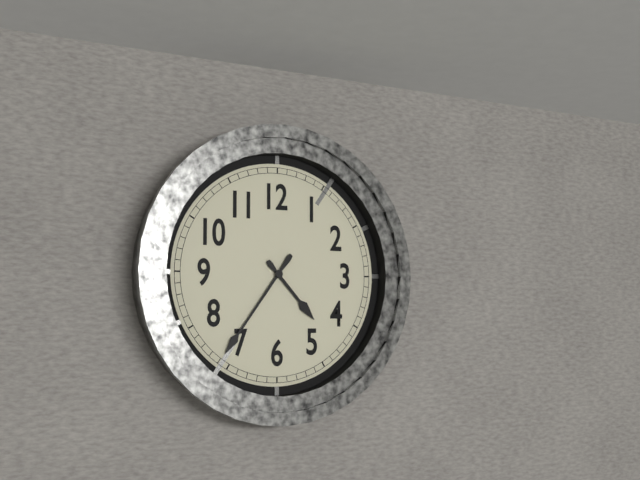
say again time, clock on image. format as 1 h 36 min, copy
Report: 4 h 36 min
